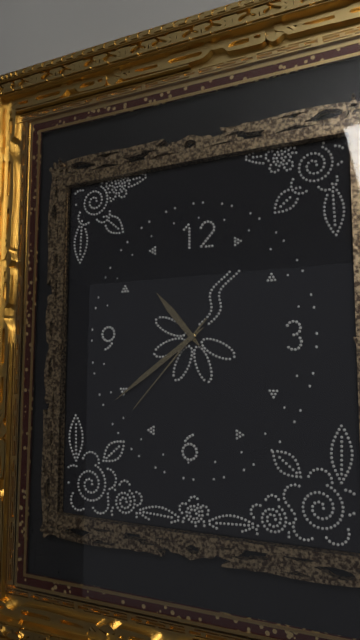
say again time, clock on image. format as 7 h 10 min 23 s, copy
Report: 10 h 39 min 37 s
